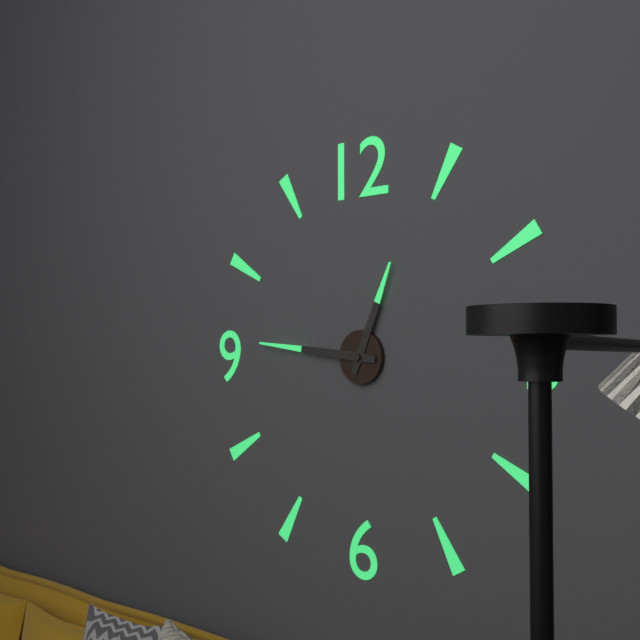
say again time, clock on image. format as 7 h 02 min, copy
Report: 12 h 46 min
